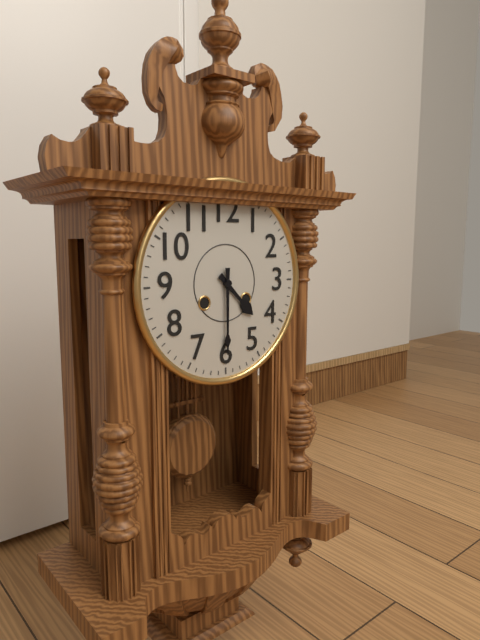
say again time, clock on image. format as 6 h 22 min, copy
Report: 4 h 30 min
